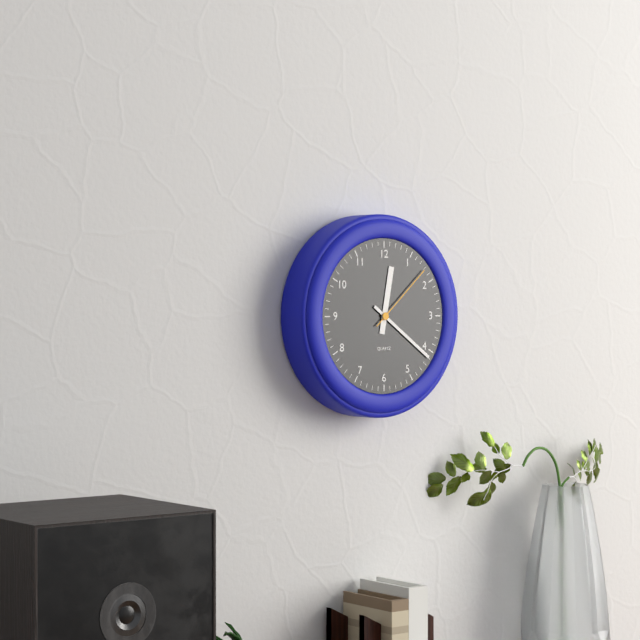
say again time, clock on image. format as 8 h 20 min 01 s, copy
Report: 12 h 21 min 08 s
